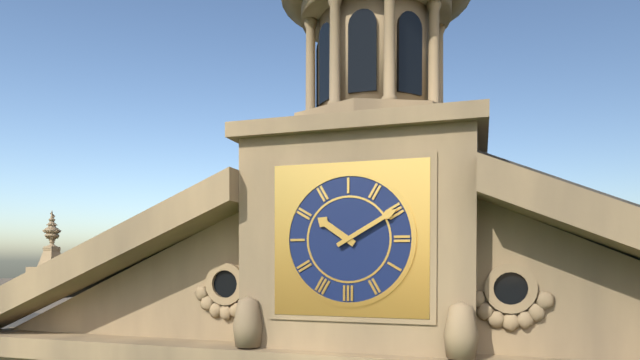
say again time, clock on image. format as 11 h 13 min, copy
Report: 10 h 10 min
